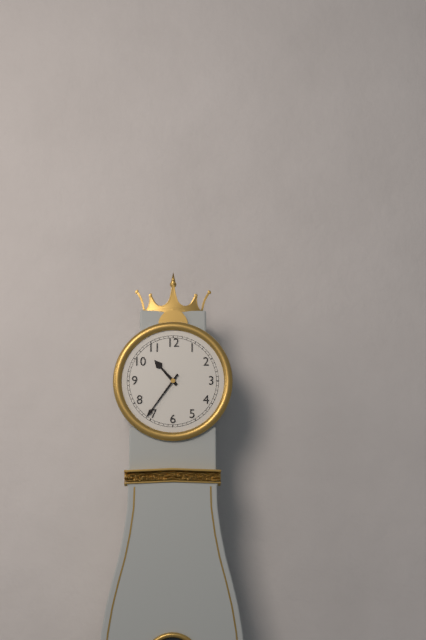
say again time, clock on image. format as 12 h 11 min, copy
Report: 10 h 36 min
